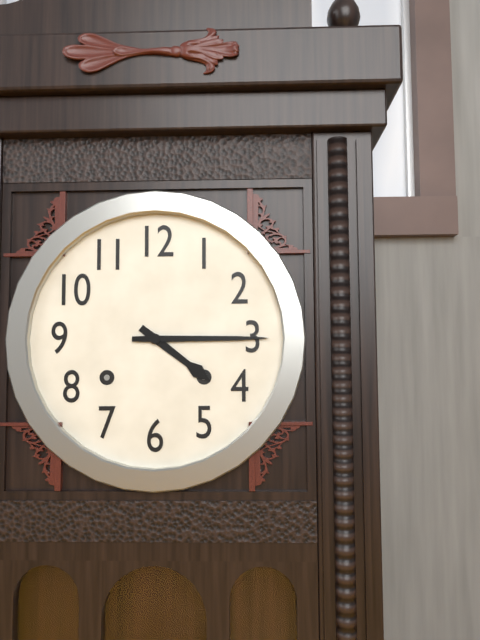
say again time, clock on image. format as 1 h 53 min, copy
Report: 4 h 15 min
